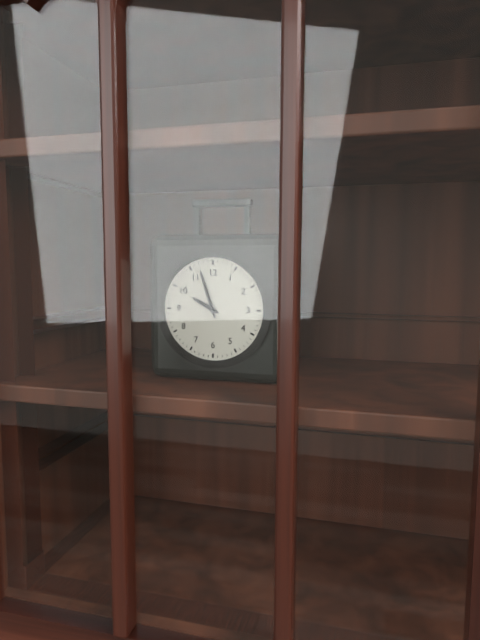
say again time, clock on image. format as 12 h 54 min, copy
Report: 9 h 57 min
